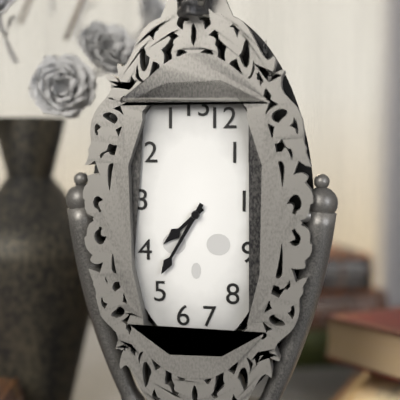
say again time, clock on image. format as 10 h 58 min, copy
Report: 7 h 35 min
